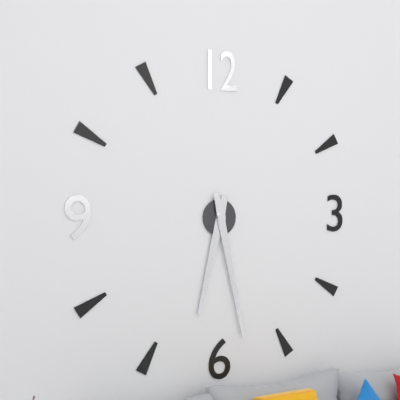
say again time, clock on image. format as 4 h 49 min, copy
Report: 6 h 28 min
